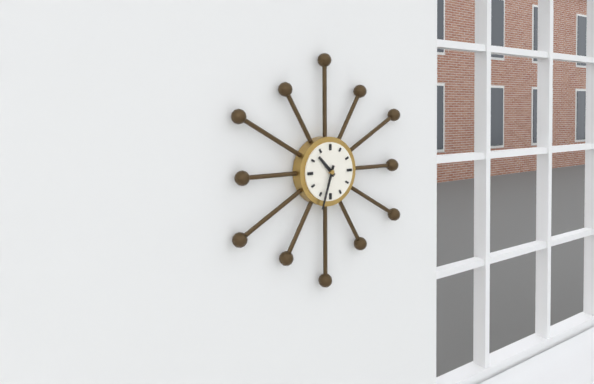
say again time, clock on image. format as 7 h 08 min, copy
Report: 10 h 33 min
